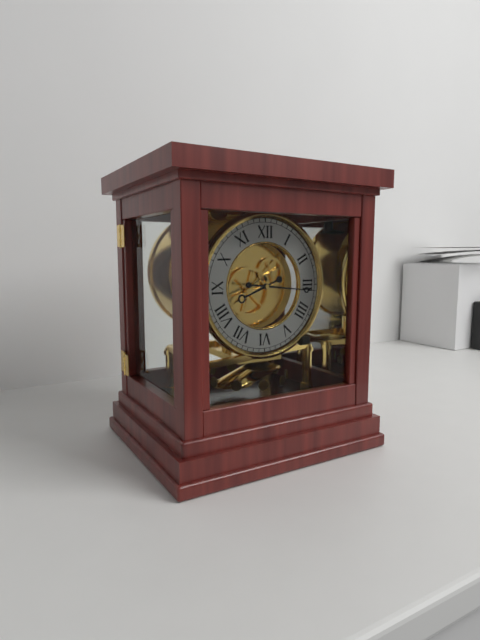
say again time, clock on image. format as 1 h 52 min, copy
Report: 8 h 16 min
